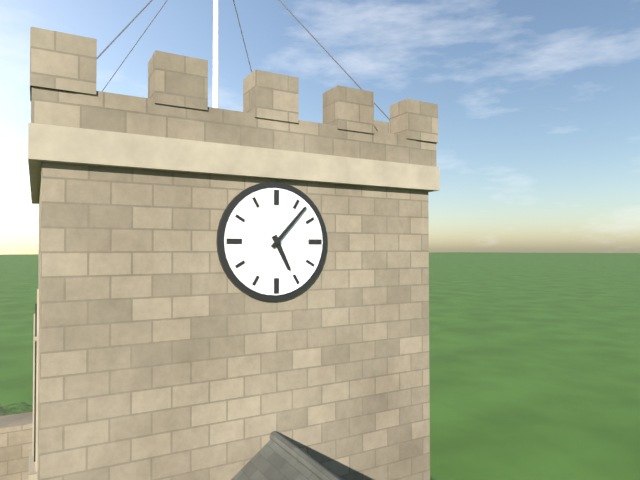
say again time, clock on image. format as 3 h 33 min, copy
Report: 5 h 07 min
